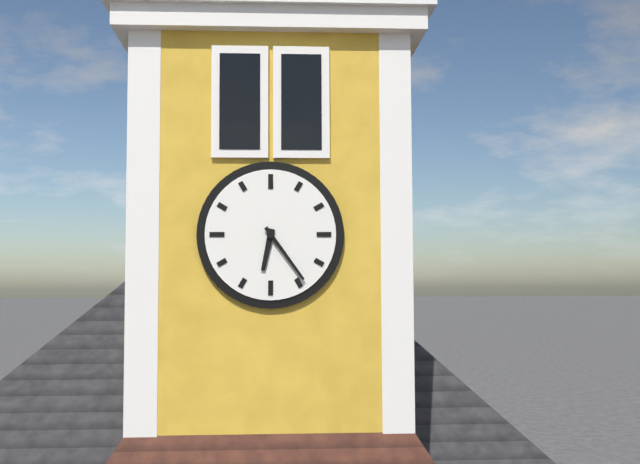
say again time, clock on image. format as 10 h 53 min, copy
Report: 6 h 24 min
